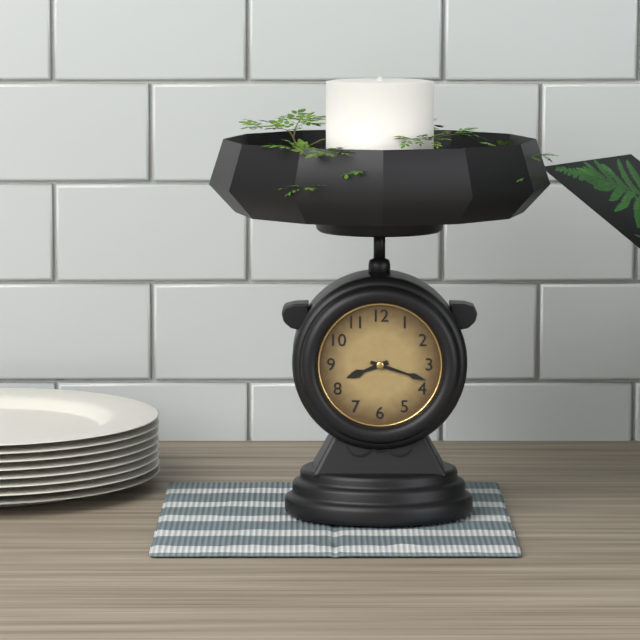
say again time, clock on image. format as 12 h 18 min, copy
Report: 8 h 18 min
